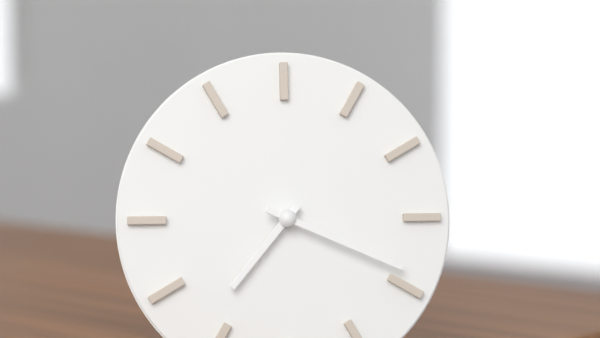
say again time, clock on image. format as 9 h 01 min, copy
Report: 7 h 19 min
